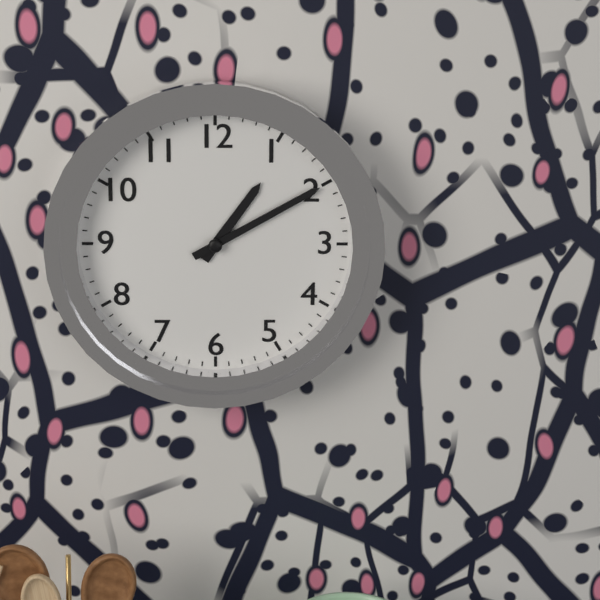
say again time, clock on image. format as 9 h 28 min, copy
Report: 1 h 10 min
